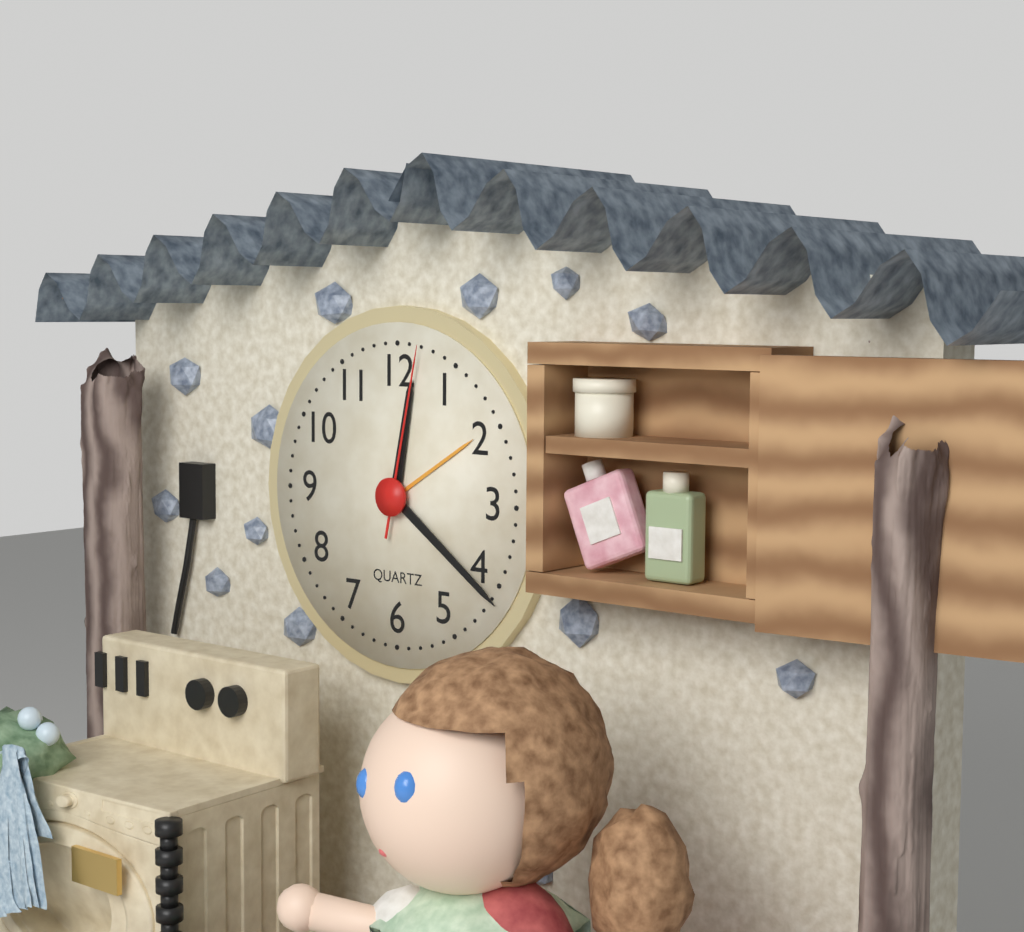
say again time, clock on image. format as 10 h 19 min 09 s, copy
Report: 12 h 21 min 02 s
